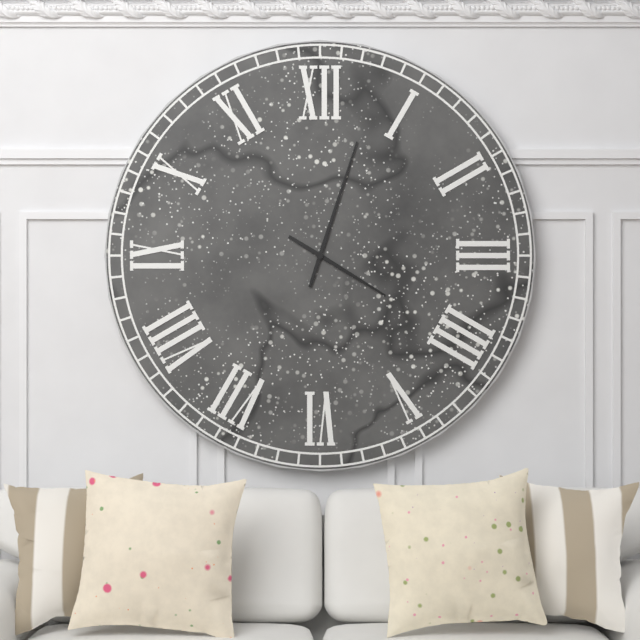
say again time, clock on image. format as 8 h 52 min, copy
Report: 4 h 03 min
